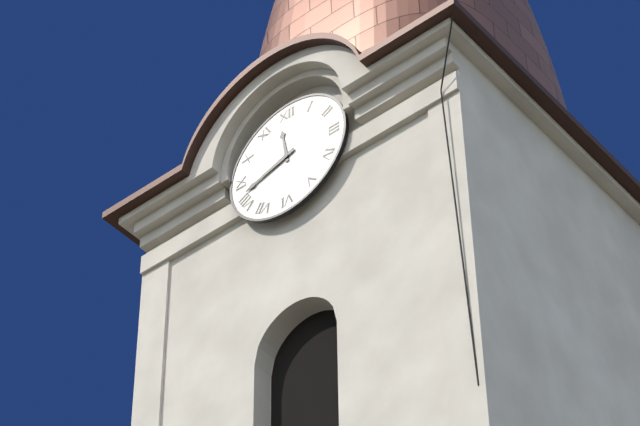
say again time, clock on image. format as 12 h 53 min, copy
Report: 11 h 42 min
